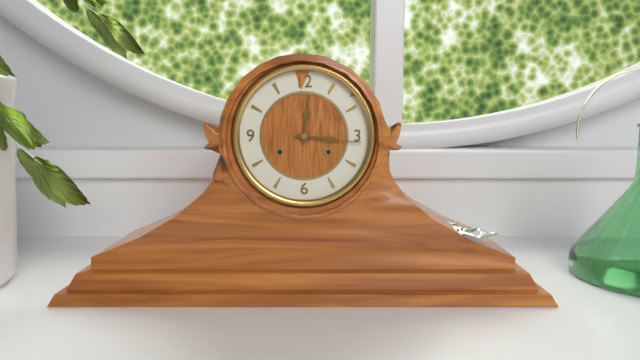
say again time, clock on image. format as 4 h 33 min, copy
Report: 12 h 16 min
